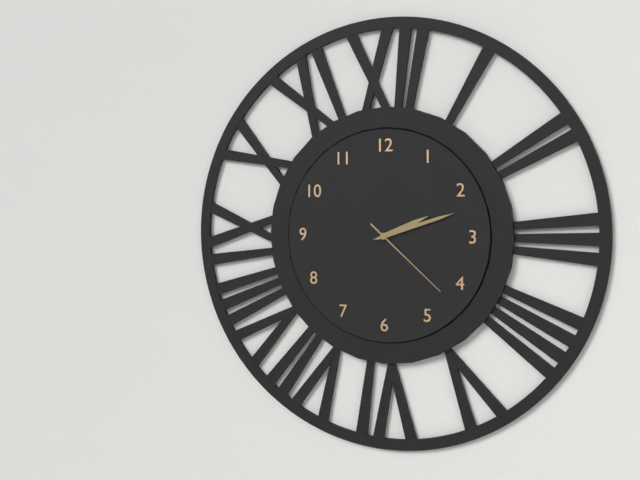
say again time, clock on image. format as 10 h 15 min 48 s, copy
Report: 2 h 12 min 22 s
